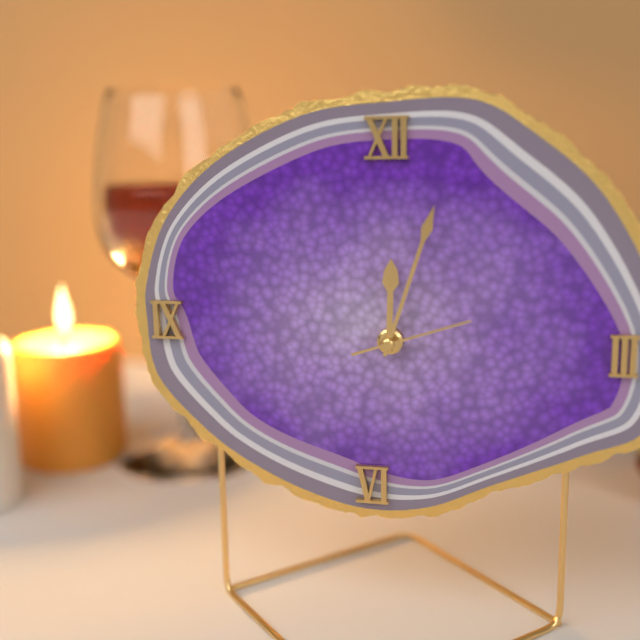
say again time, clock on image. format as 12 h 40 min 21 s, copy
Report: 12 h 03 min 12 s
